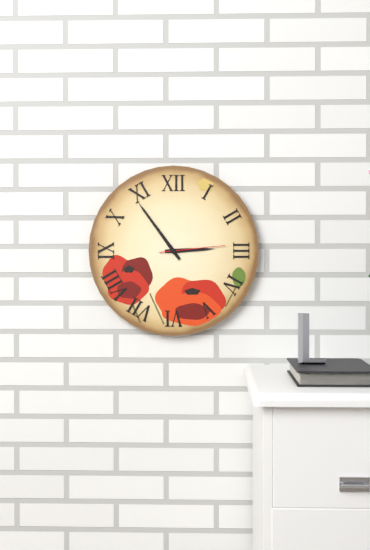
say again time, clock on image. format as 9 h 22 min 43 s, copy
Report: 2 h 54 min 14 s
